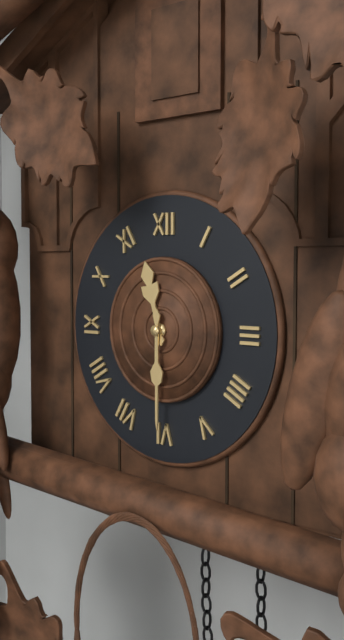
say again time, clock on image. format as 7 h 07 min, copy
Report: 11 h 30 min
